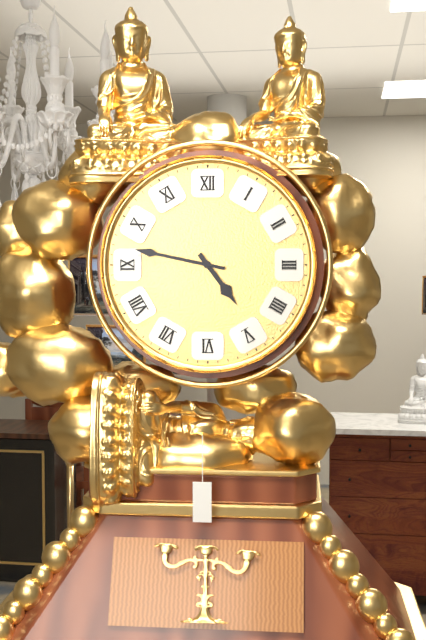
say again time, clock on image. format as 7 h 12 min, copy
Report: 4 h 47 min
